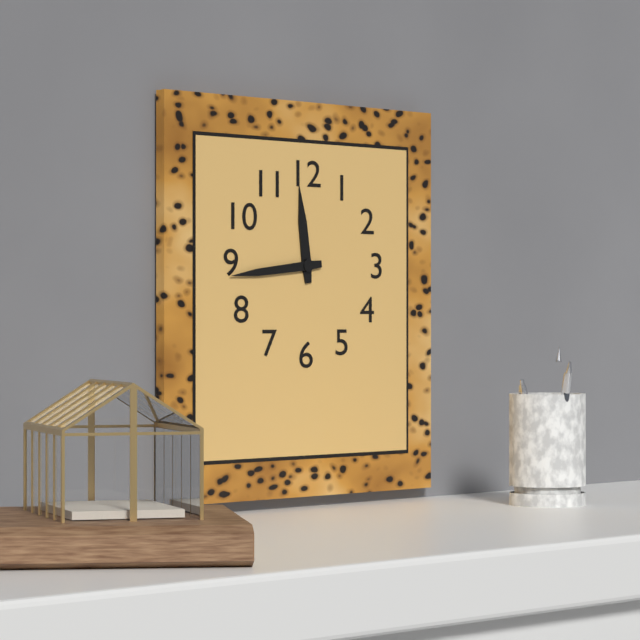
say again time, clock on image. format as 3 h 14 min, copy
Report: 11 h 44 min
